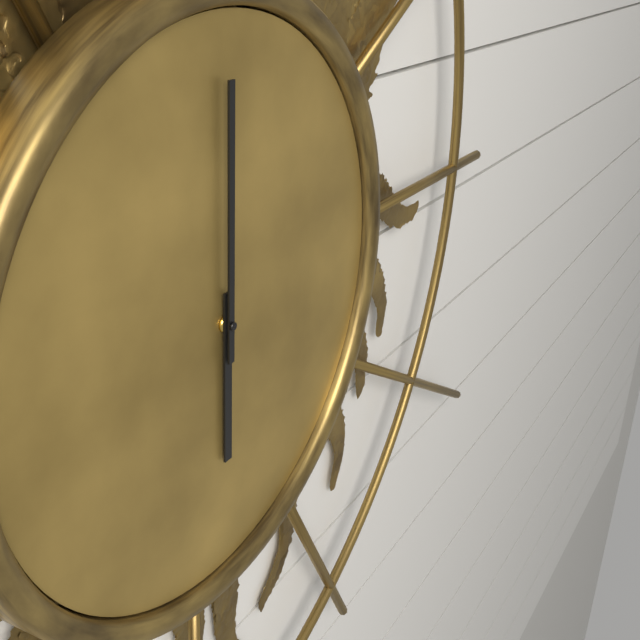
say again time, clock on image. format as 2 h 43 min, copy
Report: 6 h 00 min
